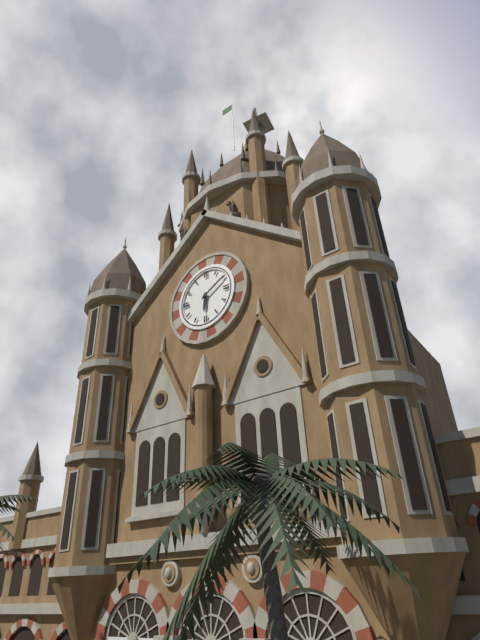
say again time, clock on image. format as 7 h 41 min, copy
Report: 6 h 10 min
